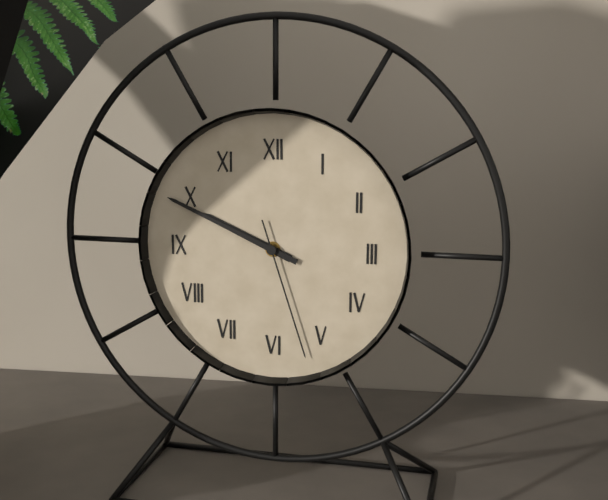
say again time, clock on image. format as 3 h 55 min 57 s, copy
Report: 9 h 49 min 27 s
